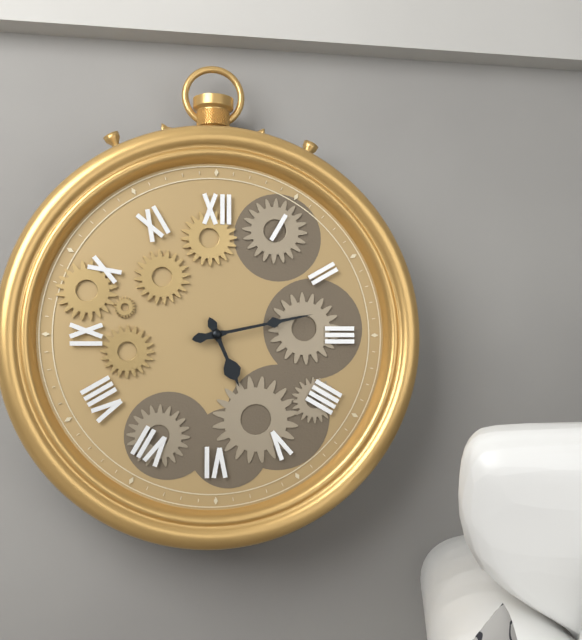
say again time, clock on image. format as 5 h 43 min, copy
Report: 5 h 13 min
